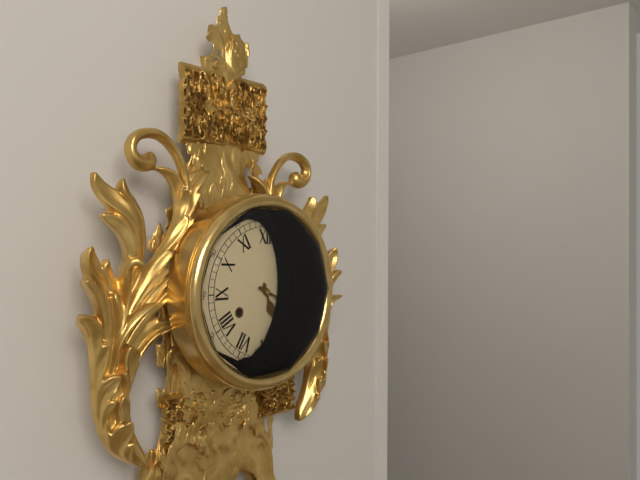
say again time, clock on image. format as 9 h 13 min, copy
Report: 5 h 19 min
